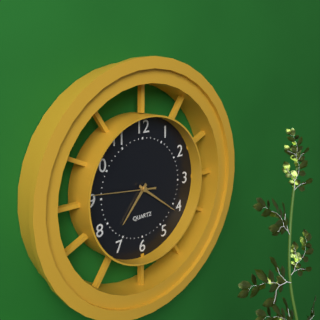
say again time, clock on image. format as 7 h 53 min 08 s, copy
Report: 7 h 21 min 46 s
